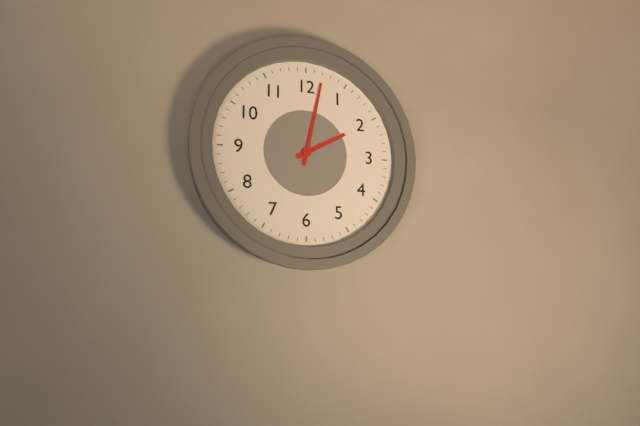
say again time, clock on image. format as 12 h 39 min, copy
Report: 2 h 02 min
